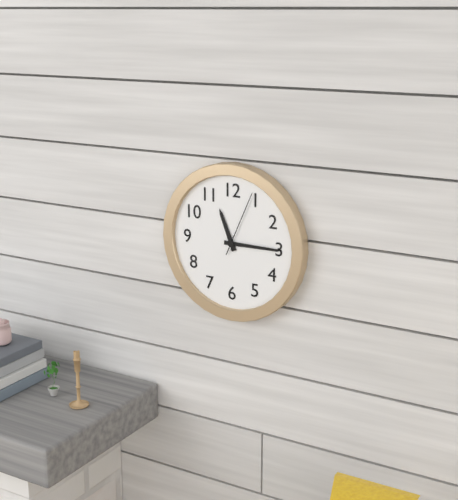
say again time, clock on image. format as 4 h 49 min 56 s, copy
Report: 11 h 15 min 04 s
